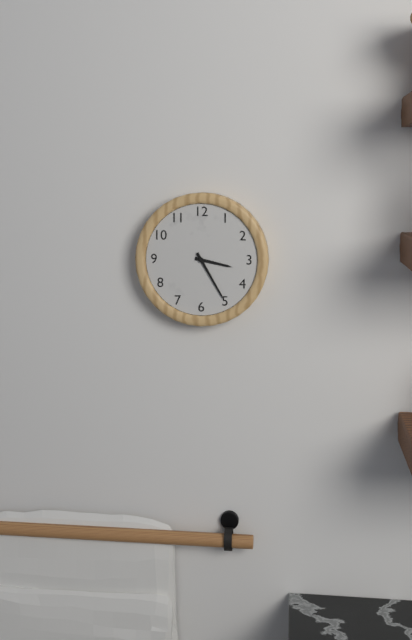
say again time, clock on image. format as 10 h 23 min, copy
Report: 3 h 25 min
